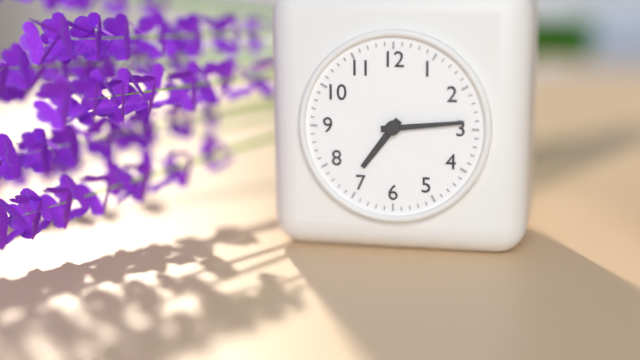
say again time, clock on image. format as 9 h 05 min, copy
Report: 7 h 14 min
